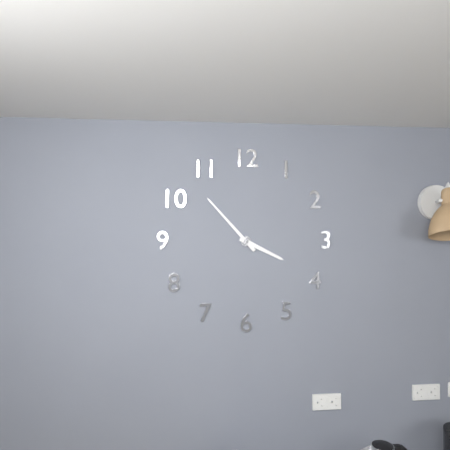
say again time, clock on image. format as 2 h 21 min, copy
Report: 3 h 53 min
